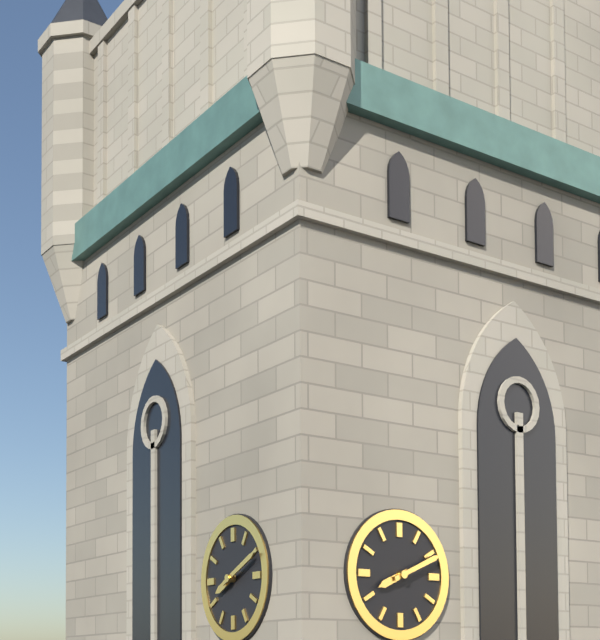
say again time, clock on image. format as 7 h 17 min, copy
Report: 8 h 11 min
